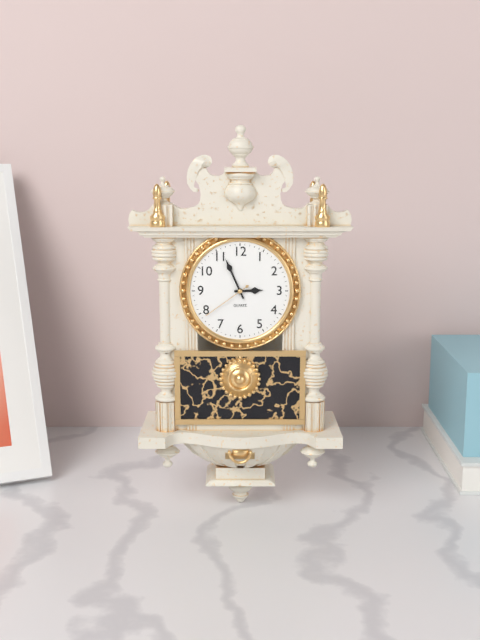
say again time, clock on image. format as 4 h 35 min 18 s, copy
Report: 2 h 56 min 39 s
